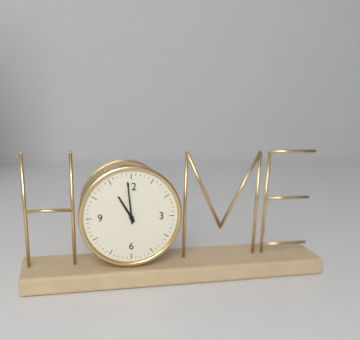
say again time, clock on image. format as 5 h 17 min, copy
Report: 10 h 59 min
